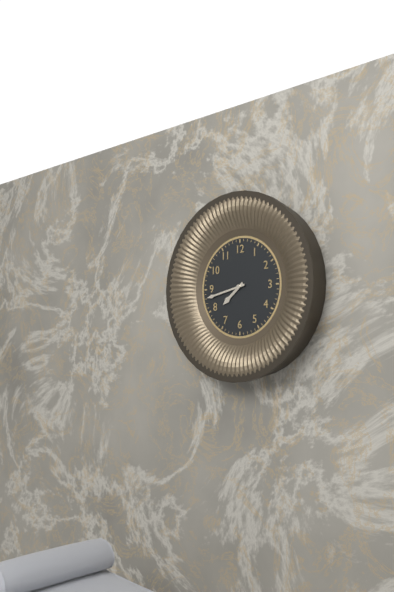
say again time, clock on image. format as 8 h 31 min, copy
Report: 7 h 43 min
